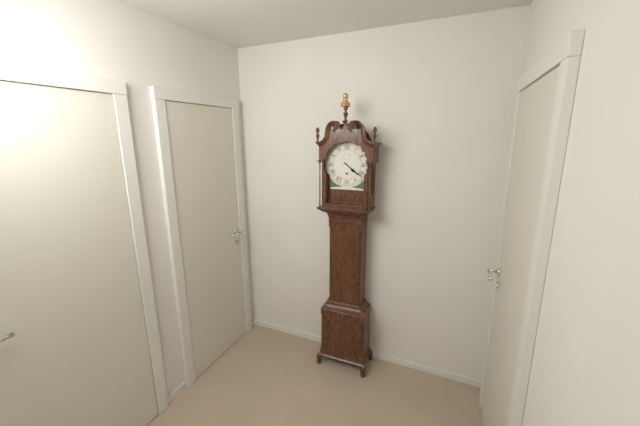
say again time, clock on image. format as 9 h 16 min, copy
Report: 4 h 21 min
